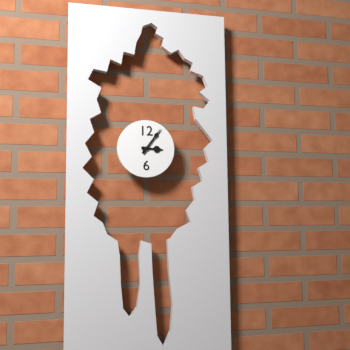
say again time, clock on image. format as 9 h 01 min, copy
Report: 3 h 06 min
